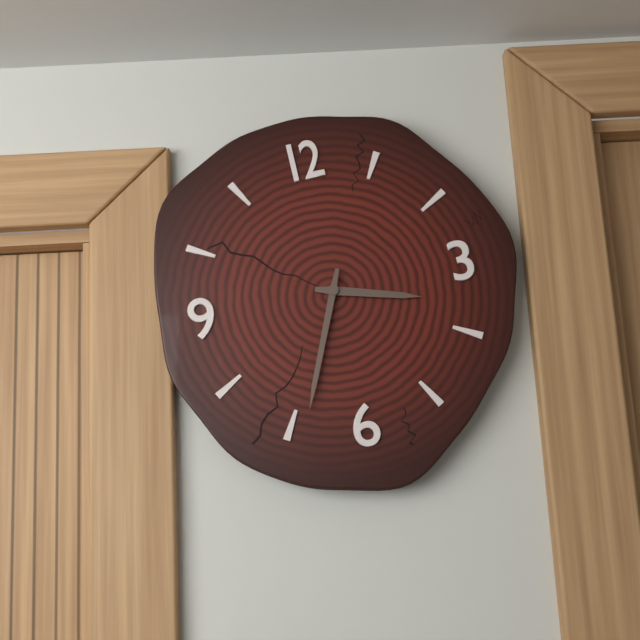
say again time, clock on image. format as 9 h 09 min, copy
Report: 3 h 34 min
